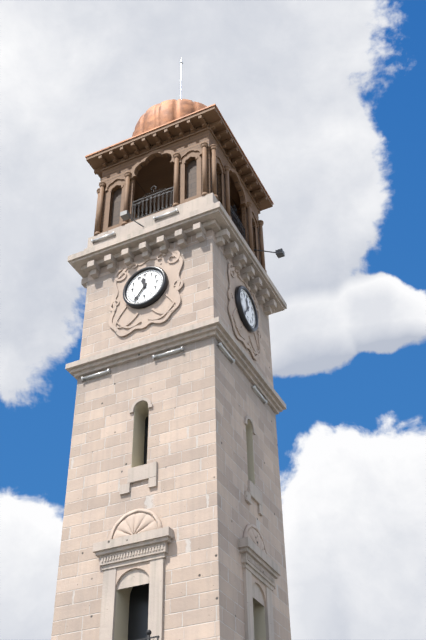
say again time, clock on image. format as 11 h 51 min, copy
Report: 11 h 36 min
